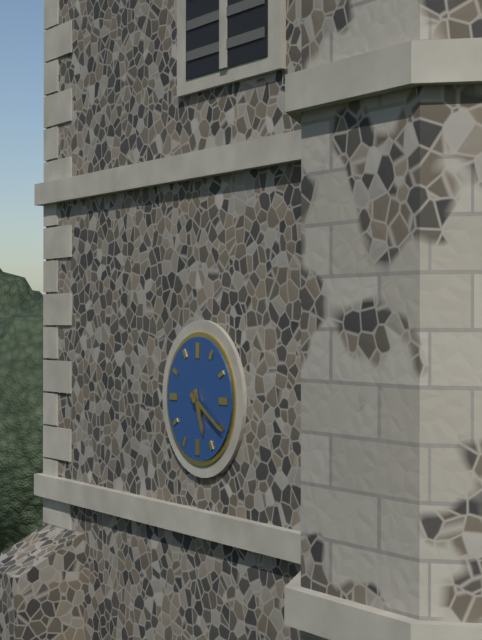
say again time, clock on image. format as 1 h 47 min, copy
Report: 5 h 20 min
